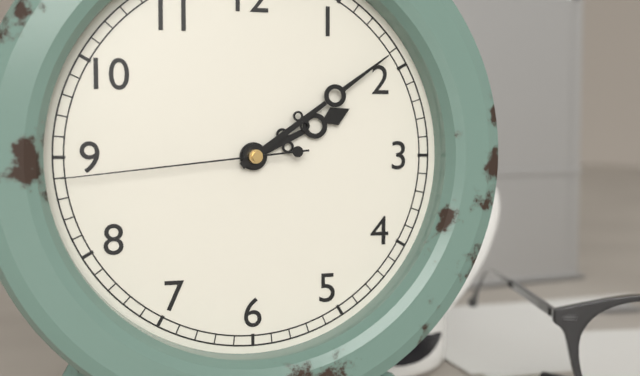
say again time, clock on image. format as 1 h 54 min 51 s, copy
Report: 2 h 09 min 44 s
